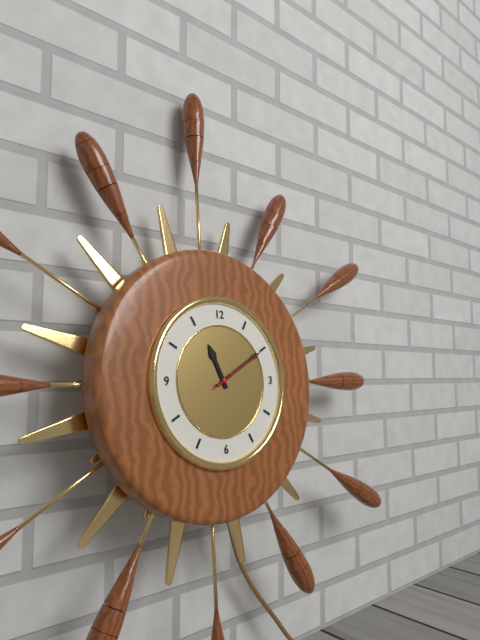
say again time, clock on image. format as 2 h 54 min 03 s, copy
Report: 11 h 10 min 10 s
